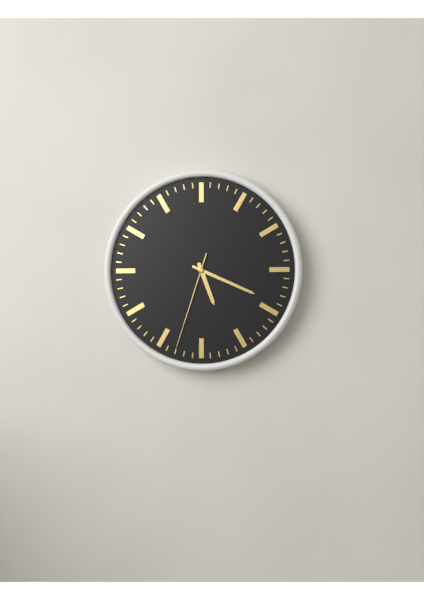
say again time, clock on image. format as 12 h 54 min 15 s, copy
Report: 5 h 19 min 33 s
